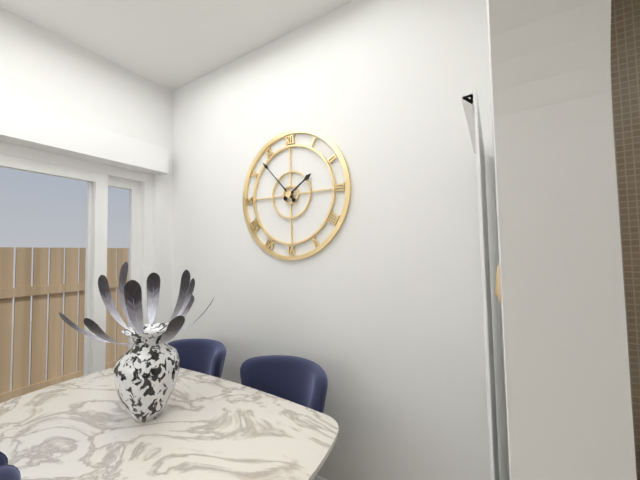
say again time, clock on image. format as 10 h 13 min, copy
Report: 1 h 53 min
